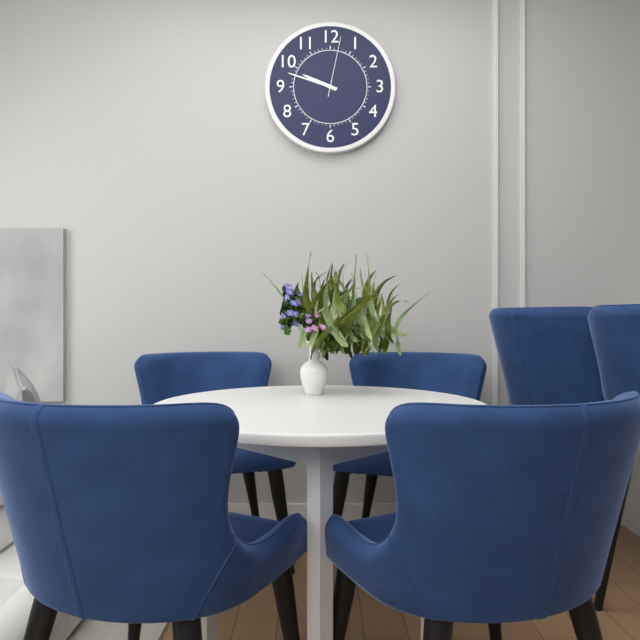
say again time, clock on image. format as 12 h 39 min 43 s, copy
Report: 9 h 48 min 02 s
